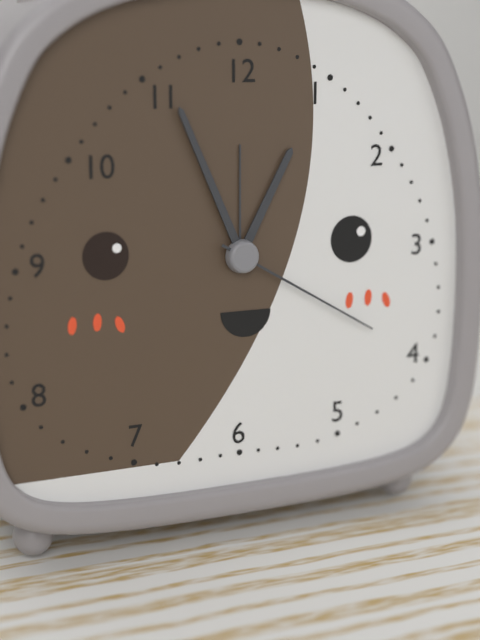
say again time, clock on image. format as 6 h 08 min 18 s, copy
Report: 12 h 56 min 20 s
